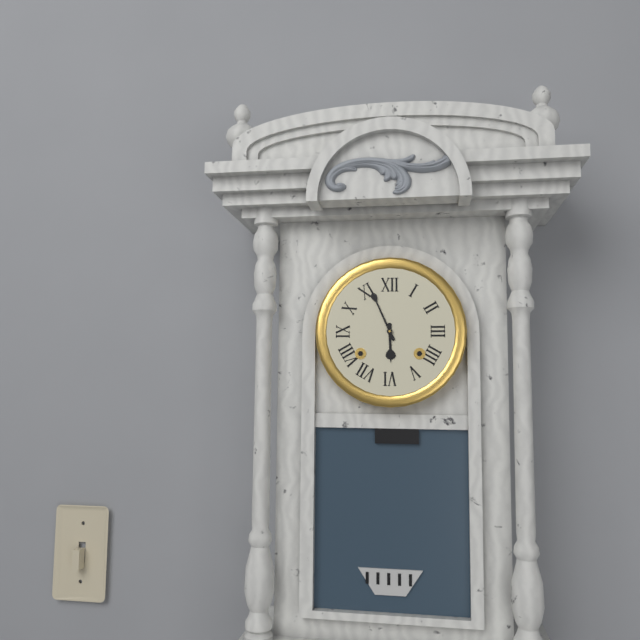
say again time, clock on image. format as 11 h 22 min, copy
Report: 5 h 56 min
